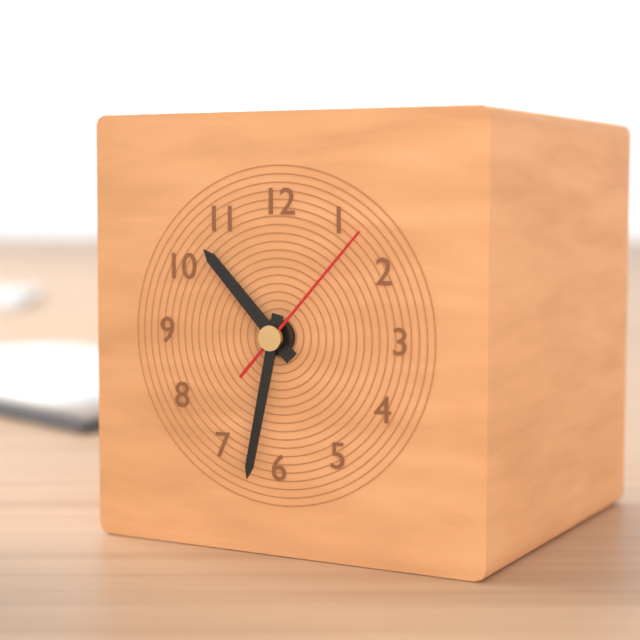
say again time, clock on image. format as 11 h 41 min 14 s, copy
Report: 10 h 32 min 07 s
